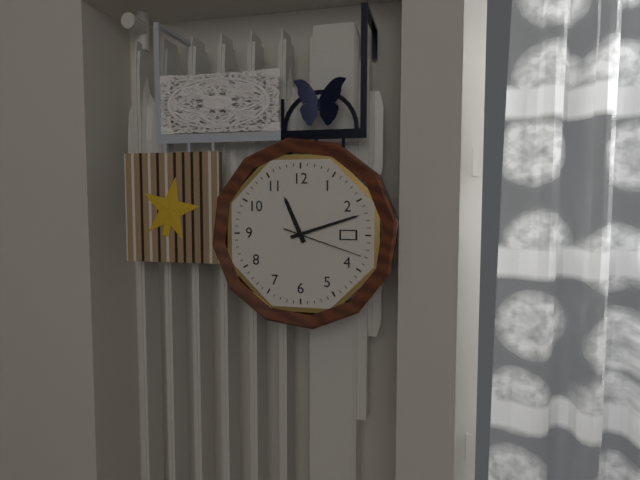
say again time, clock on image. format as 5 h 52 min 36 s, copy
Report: 11 h 12 min 18 s
